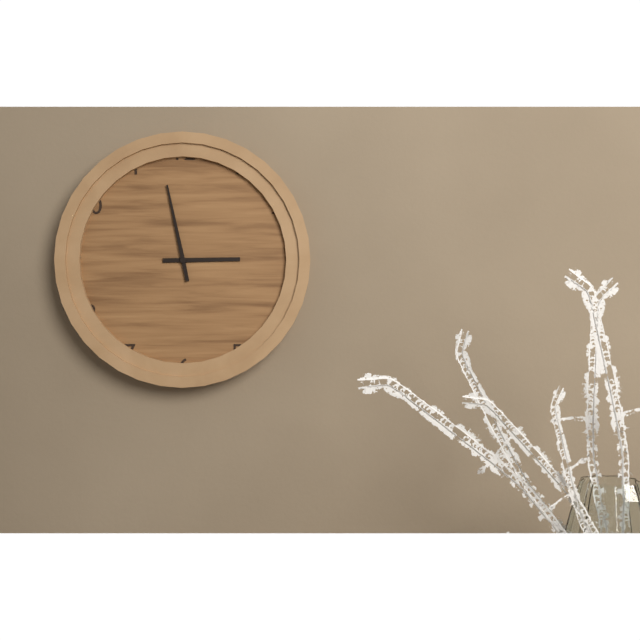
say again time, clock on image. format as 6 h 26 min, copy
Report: 2 h 58 min
